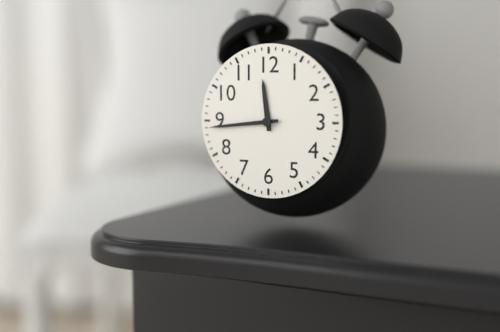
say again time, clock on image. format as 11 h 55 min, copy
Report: 11 h 44 min
